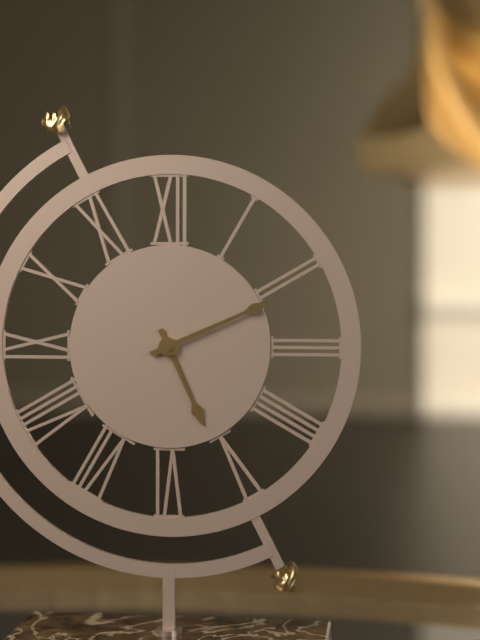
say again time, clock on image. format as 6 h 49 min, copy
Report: 5 h 11 min
